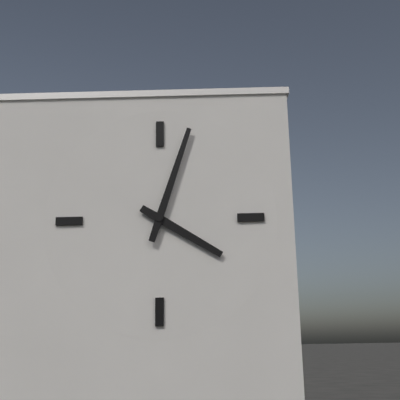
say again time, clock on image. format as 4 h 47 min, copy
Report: 4 h 03 min
